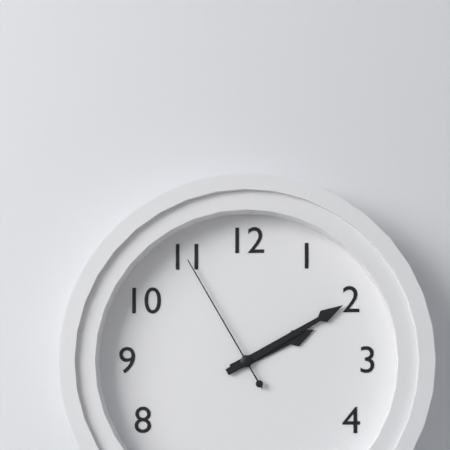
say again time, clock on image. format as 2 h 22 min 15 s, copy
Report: 2 h 10 min 55 s
